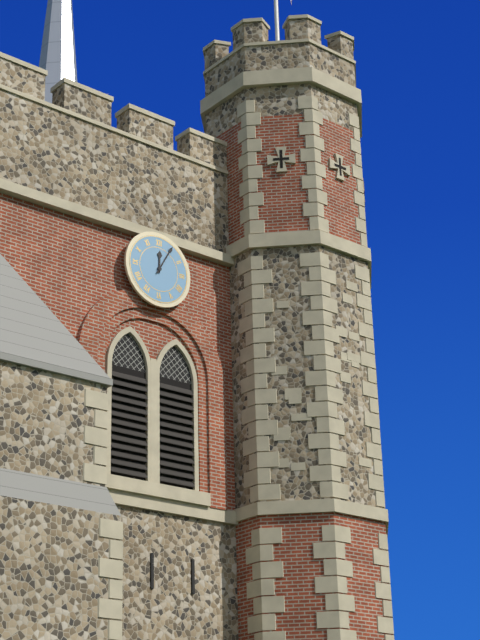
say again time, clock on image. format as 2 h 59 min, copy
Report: 12 h 05 min
